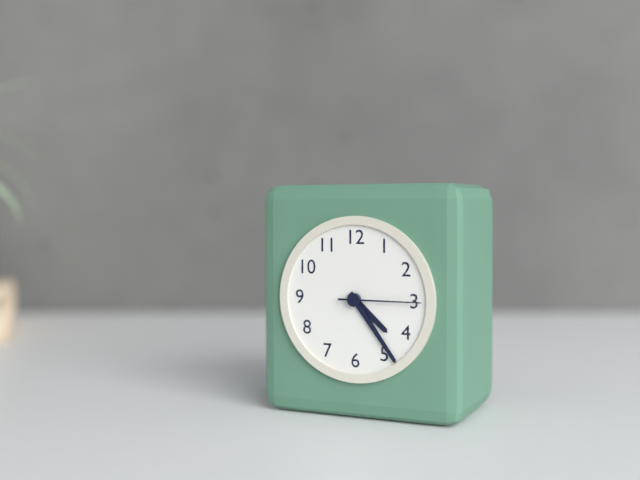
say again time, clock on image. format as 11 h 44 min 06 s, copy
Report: 4 h 24 min 15 s
